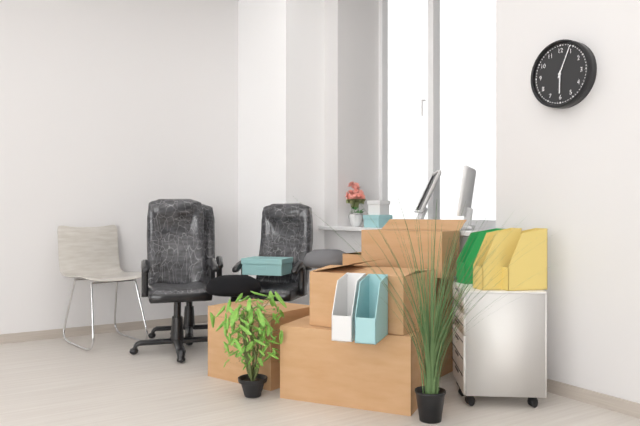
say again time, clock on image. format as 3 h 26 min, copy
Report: 6 h 04 min
